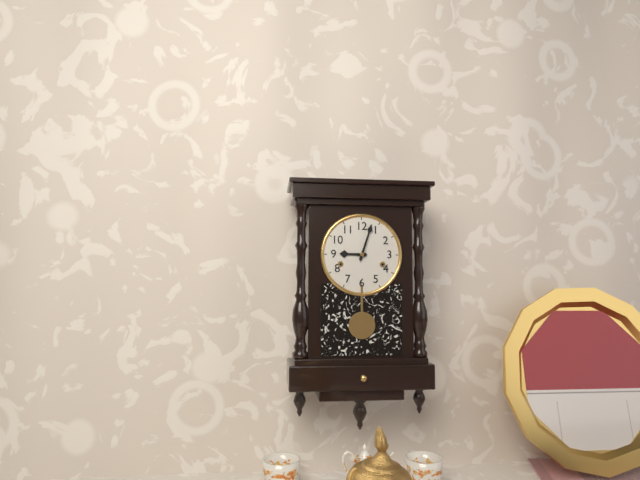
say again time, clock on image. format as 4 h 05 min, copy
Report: 9 h 03 min
